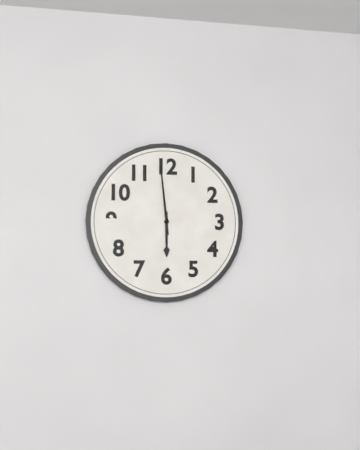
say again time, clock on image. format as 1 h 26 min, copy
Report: 5 h 59 min
